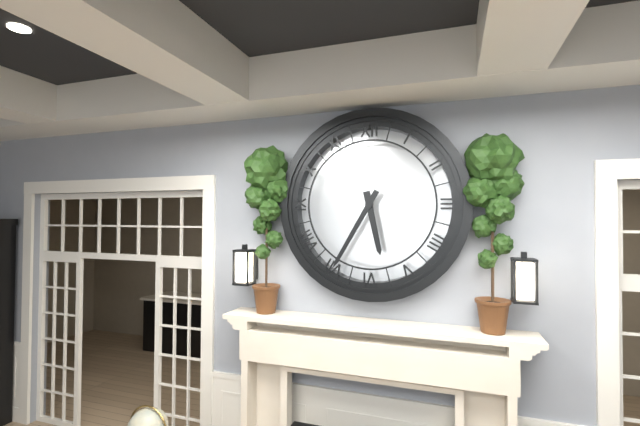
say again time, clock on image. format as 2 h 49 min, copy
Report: 5 h 35 min
